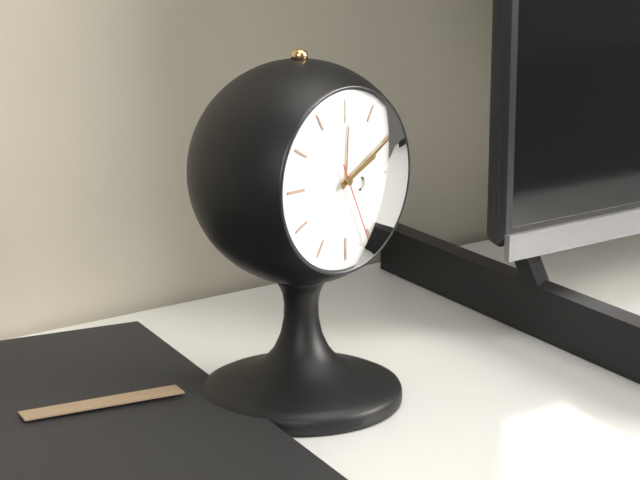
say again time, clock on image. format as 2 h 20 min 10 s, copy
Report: 2 h 10 min 26 s
